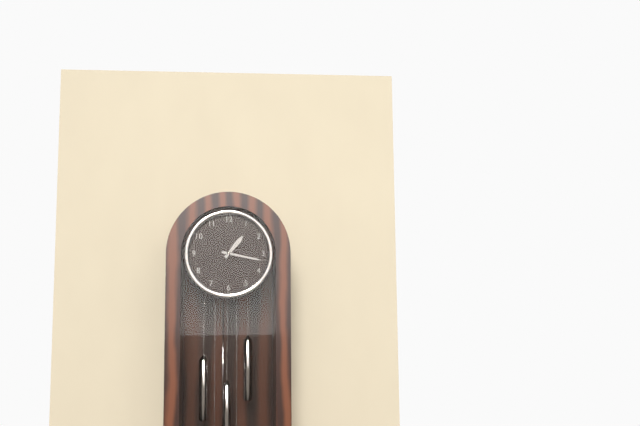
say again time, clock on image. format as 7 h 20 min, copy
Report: 1 h 17 min
